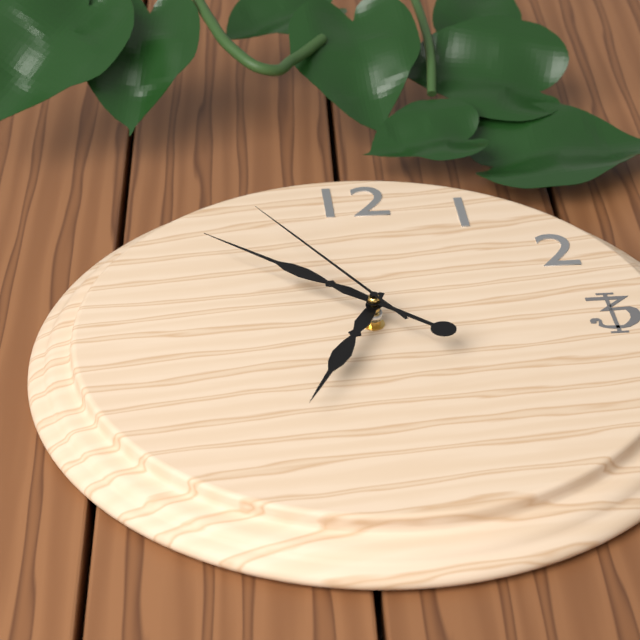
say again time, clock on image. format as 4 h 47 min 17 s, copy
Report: 6 h 52 min 55 s
